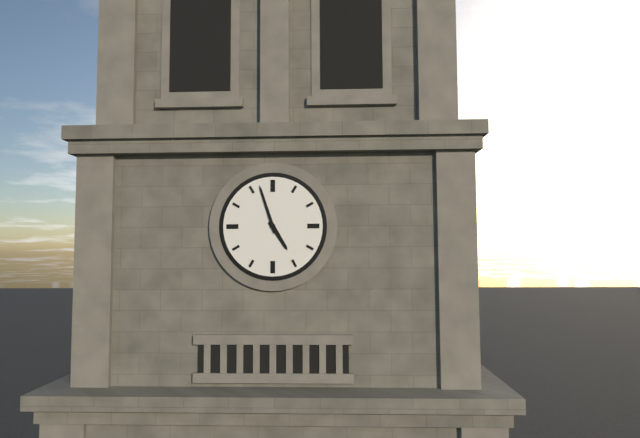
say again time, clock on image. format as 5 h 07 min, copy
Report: 4 h 57 min
